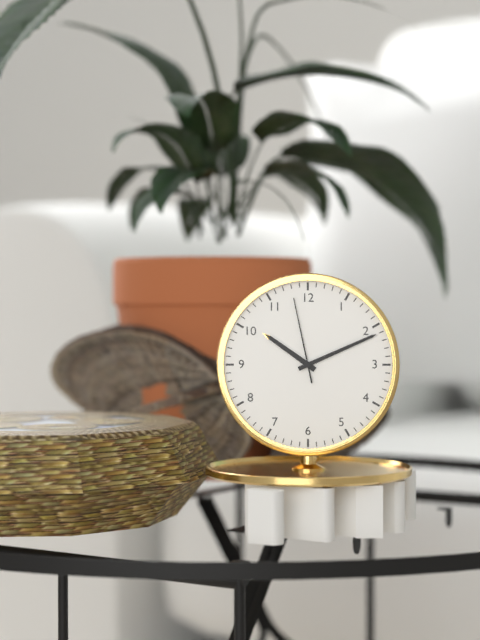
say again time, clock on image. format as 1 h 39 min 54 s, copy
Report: 10 h 11 min 58 s
